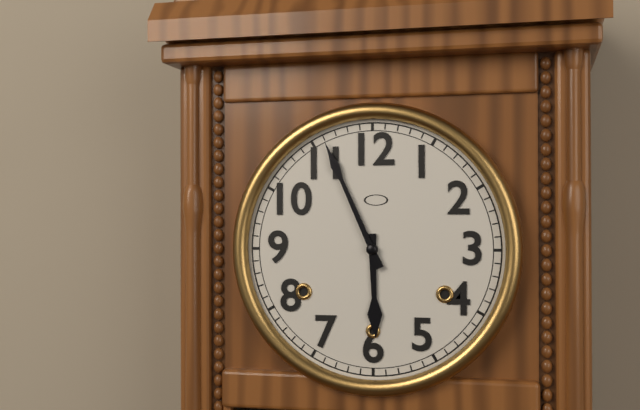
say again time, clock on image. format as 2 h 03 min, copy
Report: 5 h 56 min
